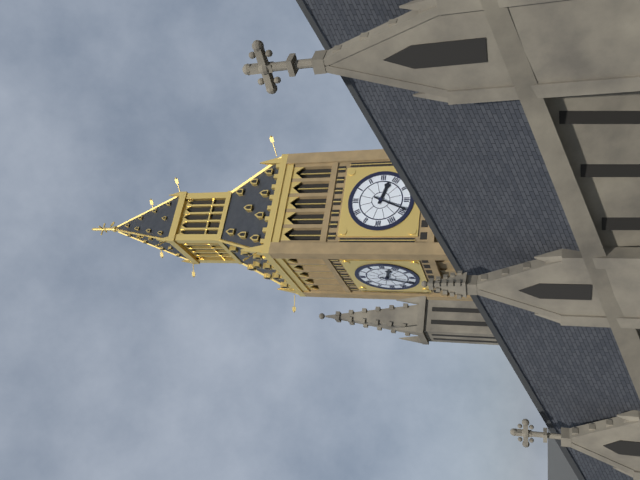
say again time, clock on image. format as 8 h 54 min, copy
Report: 3 h 34 min
